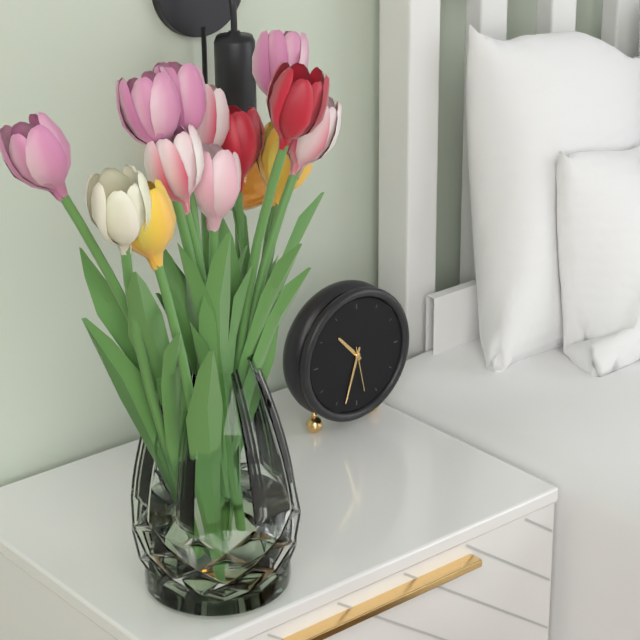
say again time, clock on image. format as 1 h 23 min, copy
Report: 10 h 33 min
